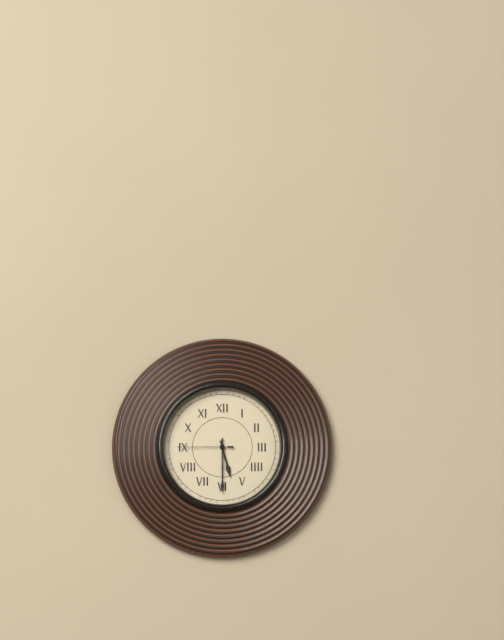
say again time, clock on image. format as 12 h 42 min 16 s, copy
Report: 5 h 30 min 45 s
